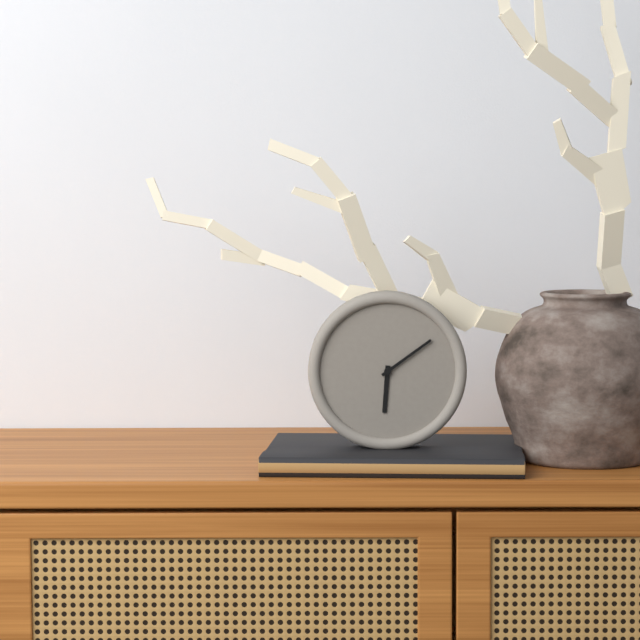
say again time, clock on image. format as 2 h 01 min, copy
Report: 6 h 09 min
